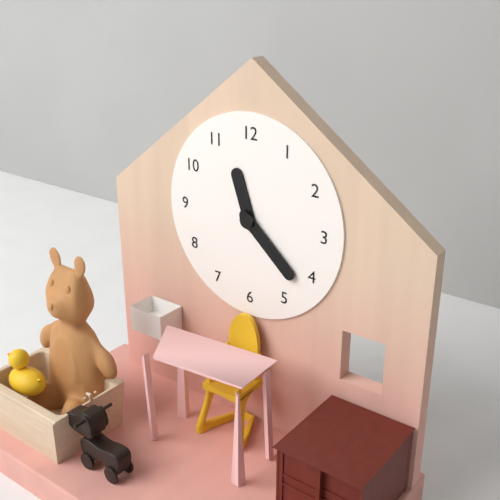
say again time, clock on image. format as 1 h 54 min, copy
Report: 11 h 22 min
